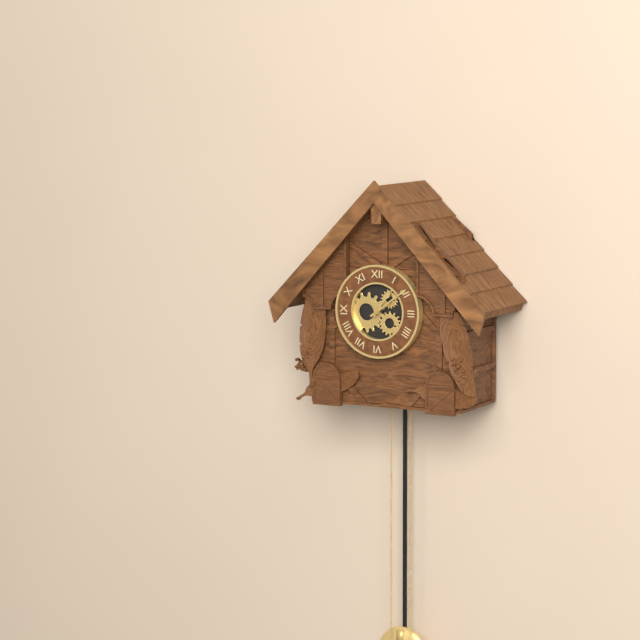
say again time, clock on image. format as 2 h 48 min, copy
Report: 1 h 09 min
